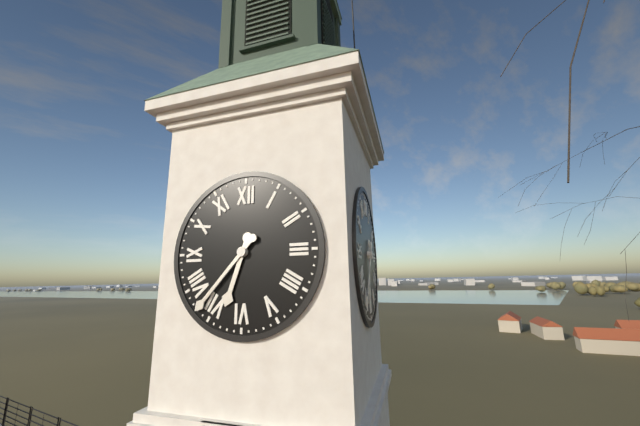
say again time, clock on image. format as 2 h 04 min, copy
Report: 6 h 37 min
